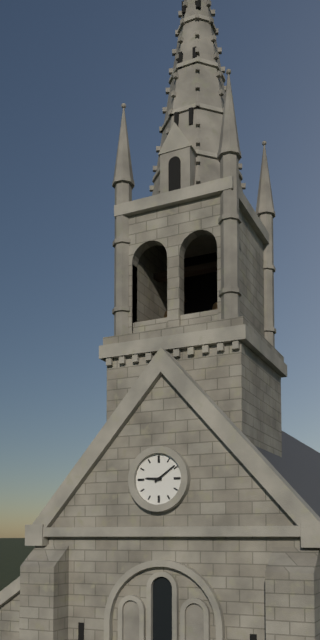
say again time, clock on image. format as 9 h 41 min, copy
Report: 9 h 09 min
